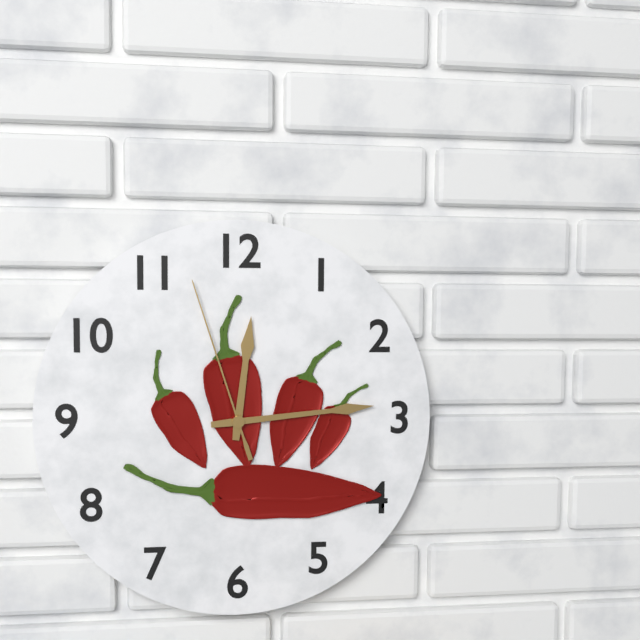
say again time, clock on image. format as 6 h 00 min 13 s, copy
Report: 12 h 14 min 57 s
